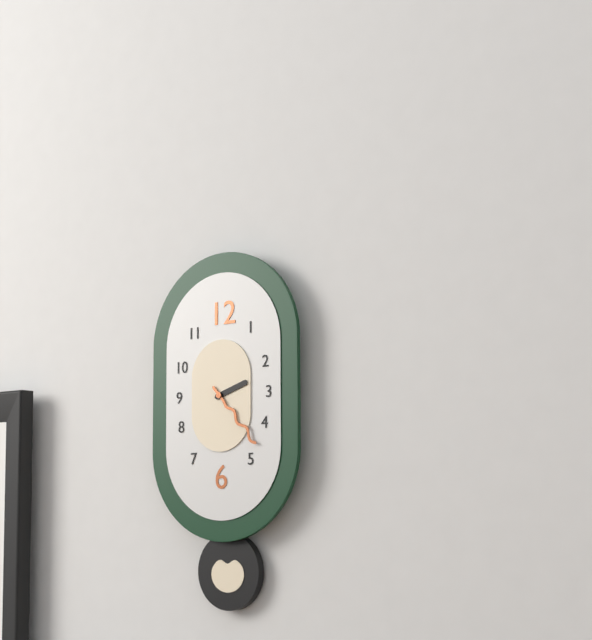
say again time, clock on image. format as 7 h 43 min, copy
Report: 2 h 23 min
